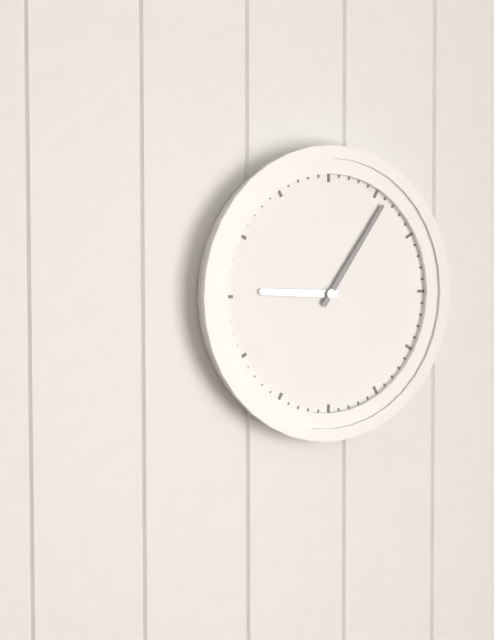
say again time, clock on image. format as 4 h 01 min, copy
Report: 9 h 06 min
